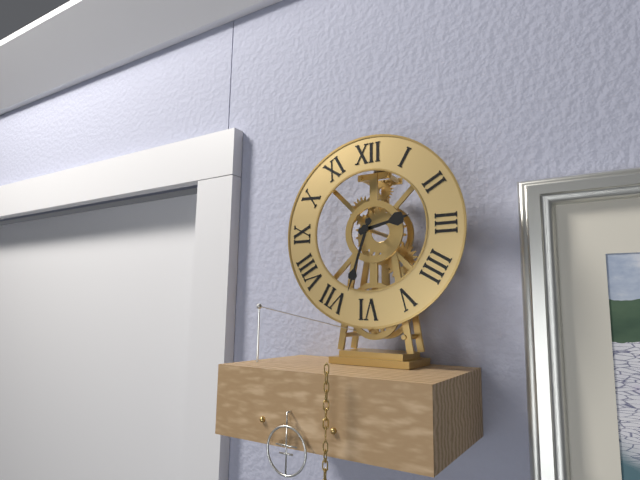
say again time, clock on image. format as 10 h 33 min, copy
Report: 2 h 33 min
